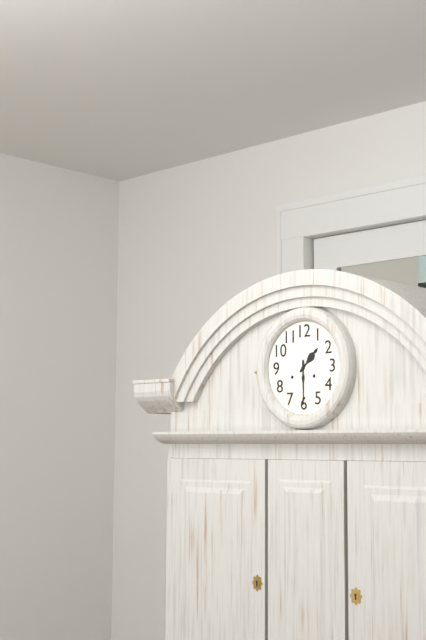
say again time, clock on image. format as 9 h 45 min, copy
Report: 1 h 30 min
